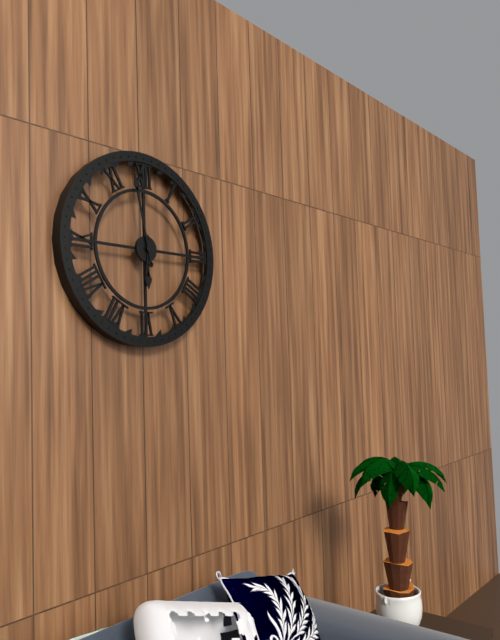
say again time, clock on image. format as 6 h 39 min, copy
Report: 5 h 58 min
